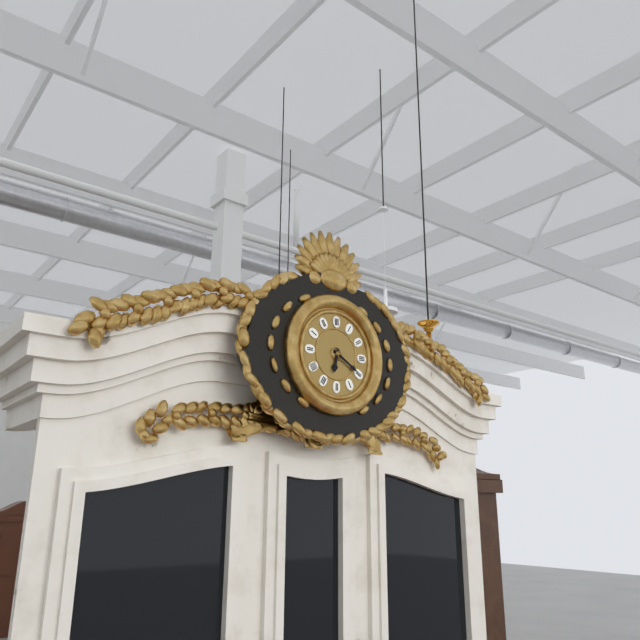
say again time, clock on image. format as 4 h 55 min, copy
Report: 6 h 20 min
